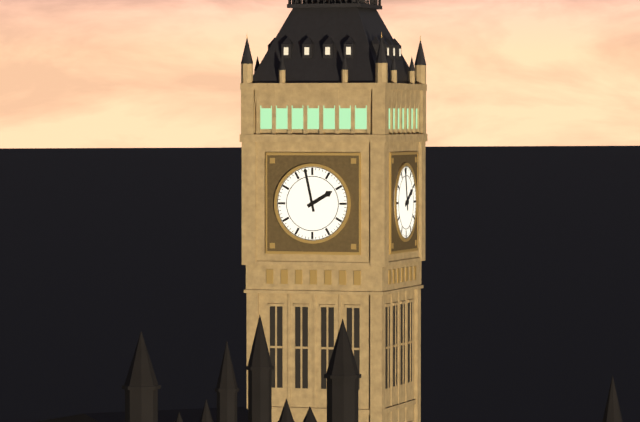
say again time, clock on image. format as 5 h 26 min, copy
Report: 1 h 58 min
